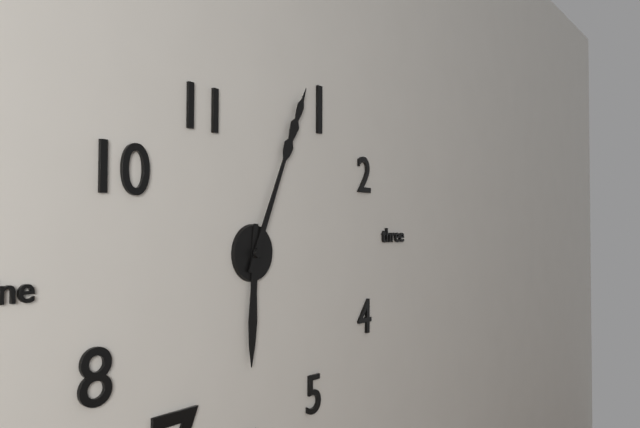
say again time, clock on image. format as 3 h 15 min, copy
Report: 6 h 04 min
